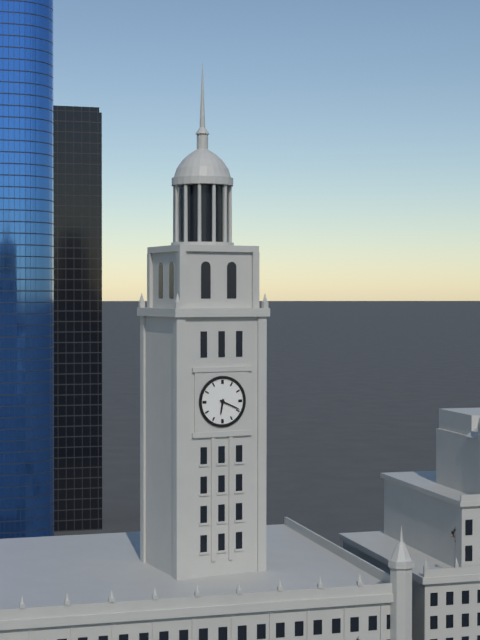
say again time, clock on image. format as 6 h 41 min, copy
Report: 6 h 19 min
